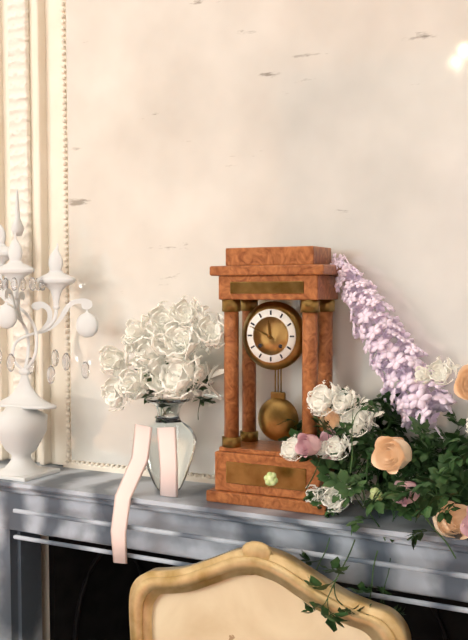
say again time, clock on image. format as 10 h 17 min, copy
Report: 11 h 49 min
